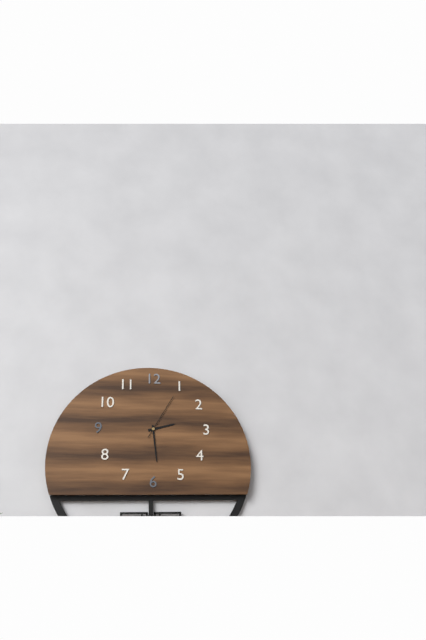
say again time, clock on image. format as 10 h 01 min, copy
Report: 2 h 29 min
